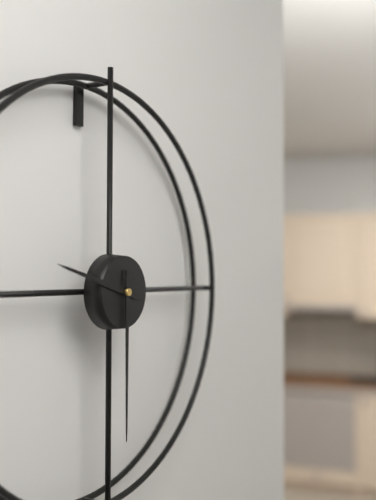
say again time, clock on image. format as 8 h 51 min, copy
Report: 9 h 30 min
